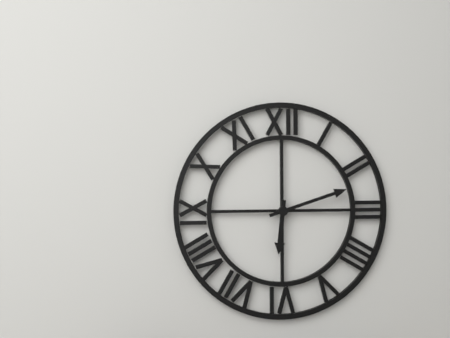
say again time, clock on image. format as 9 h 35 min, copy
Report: 6 h 12 min
